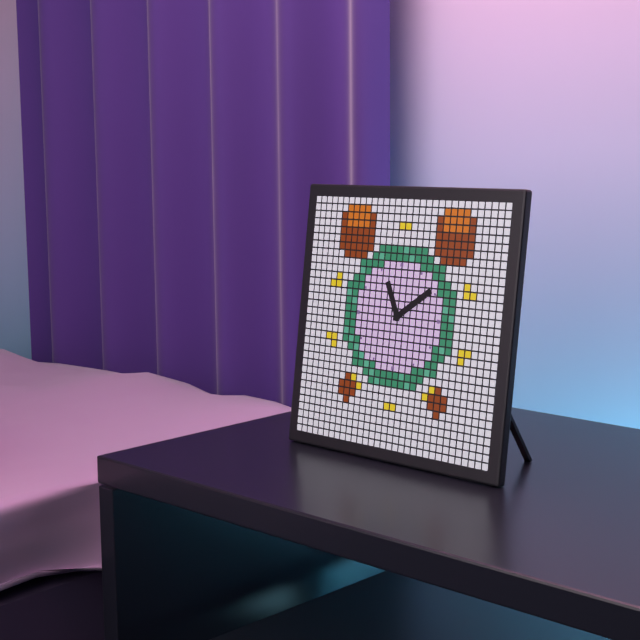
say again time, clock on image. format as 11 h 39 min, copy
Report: 11 h 09 min
